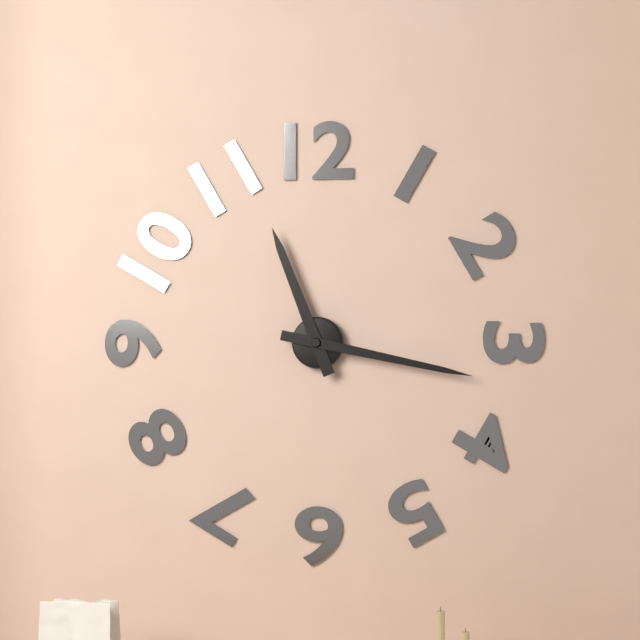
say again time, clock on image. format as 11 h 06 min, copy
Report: 11 h 17 min
